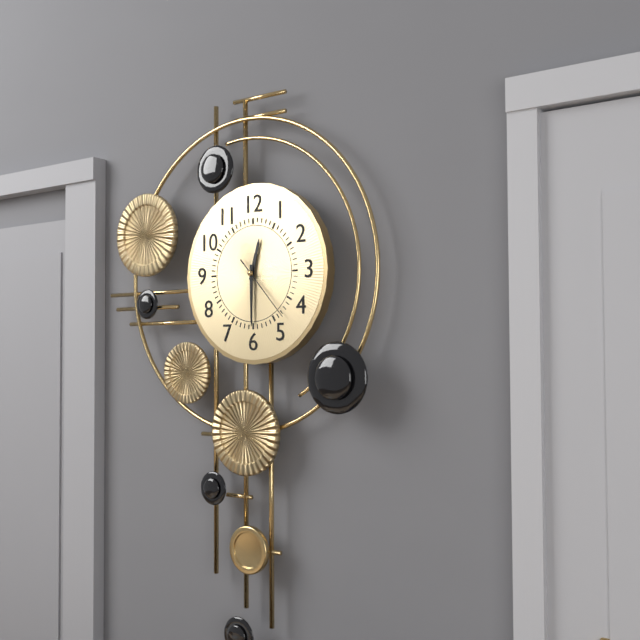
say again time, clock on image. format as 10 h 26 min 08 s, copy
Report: 12 h 30 min 23 s
